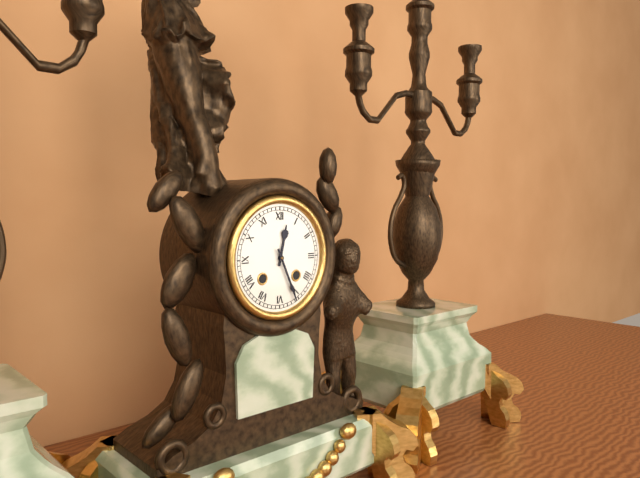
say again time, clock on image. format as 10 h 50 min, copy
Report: 12 h 26 min
